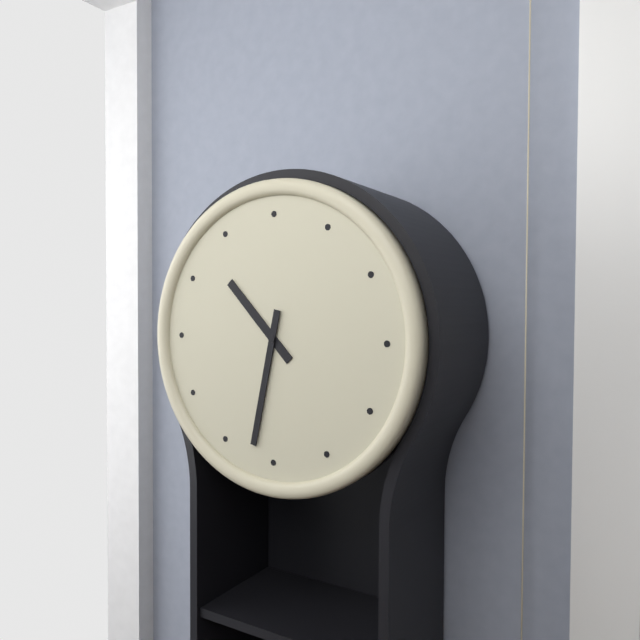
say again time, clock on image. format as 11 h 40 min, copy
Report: 10 h 32 min
